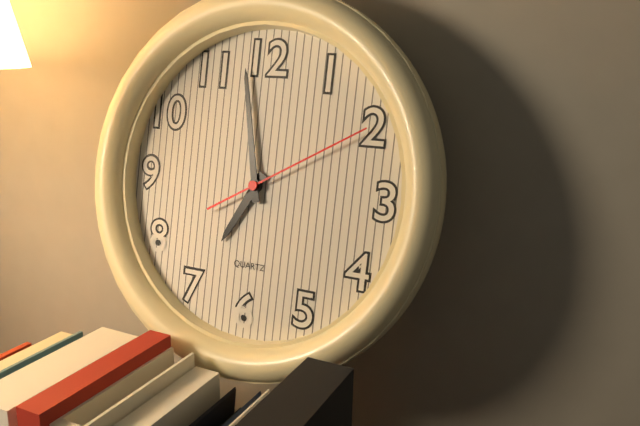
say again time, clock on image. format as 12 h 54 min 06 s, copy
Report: 6 h 58 min 10 s
